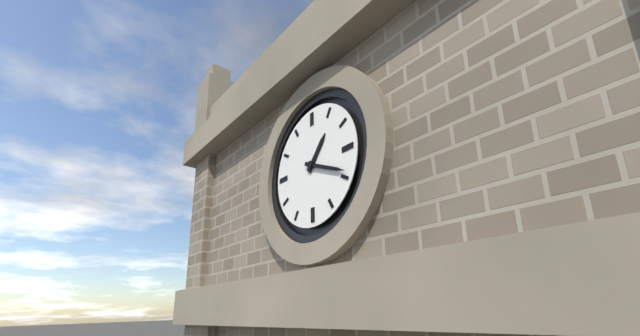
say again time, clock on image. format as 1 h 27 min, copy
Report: 1 h 19 min
